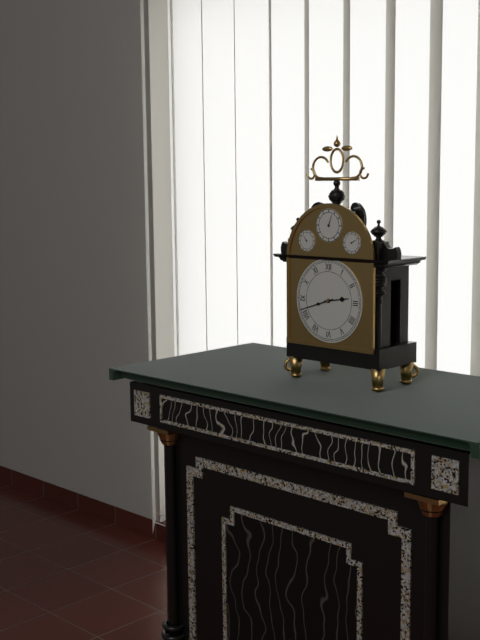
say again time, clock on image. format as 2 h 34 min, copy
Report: 2 h 42 min
